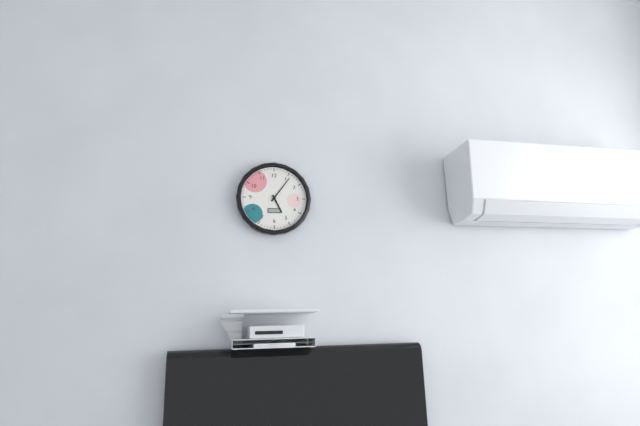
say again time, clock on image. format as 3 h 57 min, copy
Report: 5 h 06 min
